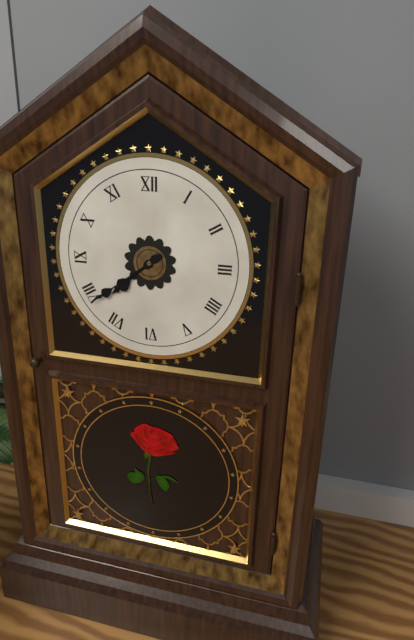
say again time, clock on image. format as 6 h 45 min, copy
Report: 7 h 39 min
